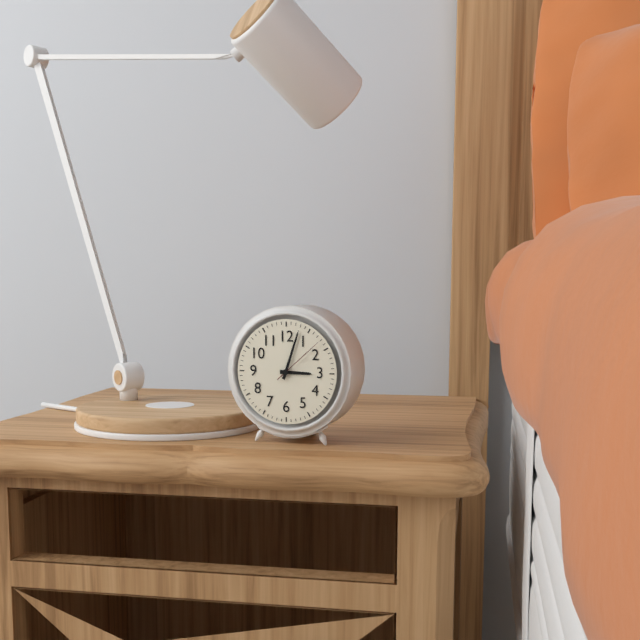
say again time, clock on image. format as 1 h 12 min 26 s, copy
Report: 3 h 03 min 08 s
